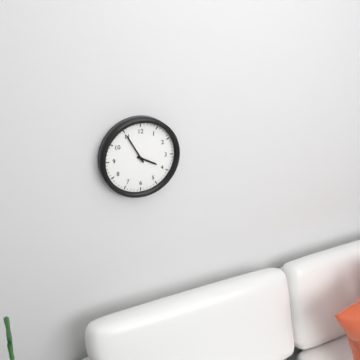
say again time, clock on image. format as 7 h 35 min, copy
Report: 3 h 55 min
